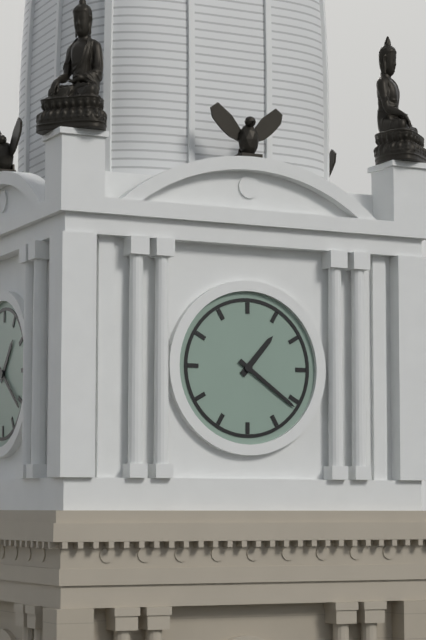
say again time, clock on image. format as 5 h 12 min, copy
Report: 1 h 21 min
